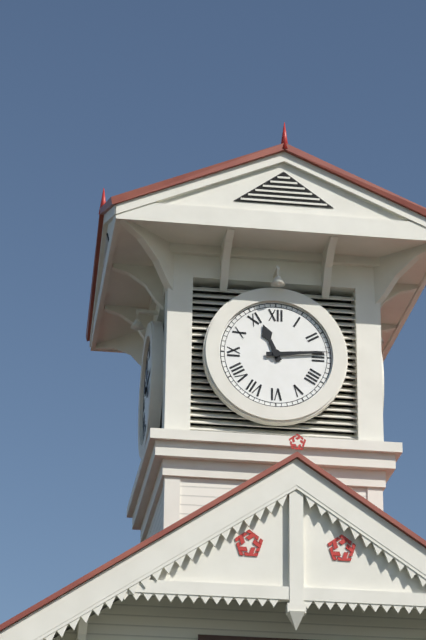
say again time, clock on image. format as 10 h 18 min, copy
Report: 11 h 14 min
